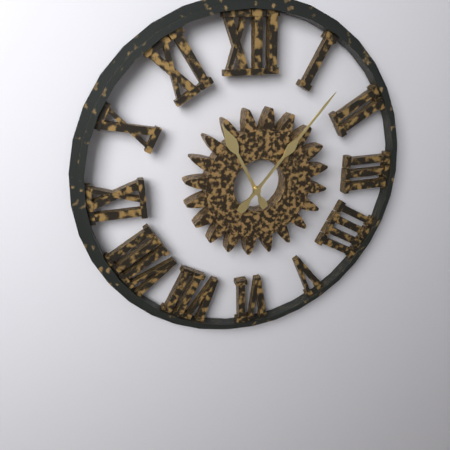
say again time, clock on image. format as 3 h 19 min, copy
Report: 11 h 07 min
